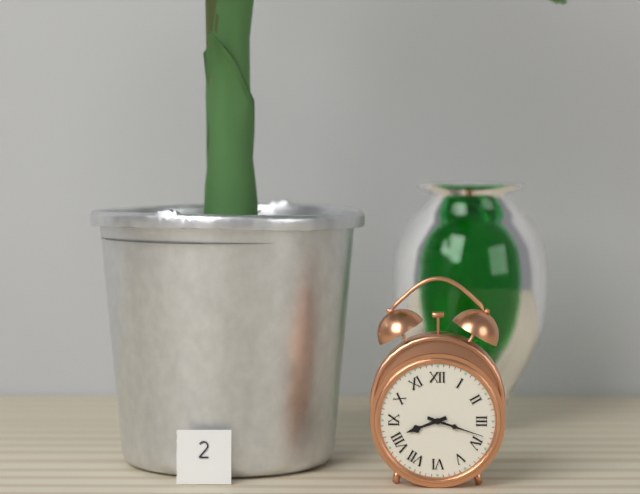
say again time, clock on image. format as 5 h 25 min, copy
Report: 8 h 18 min
